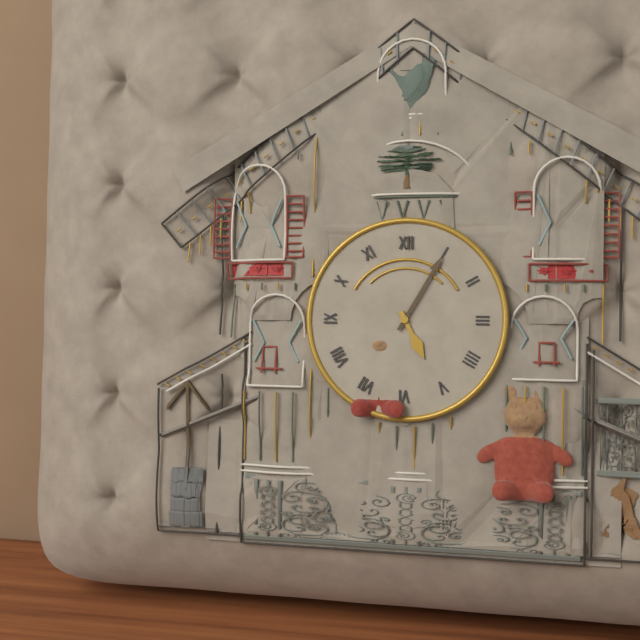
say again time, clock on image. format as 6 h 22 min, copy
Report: 5 h 05 min
